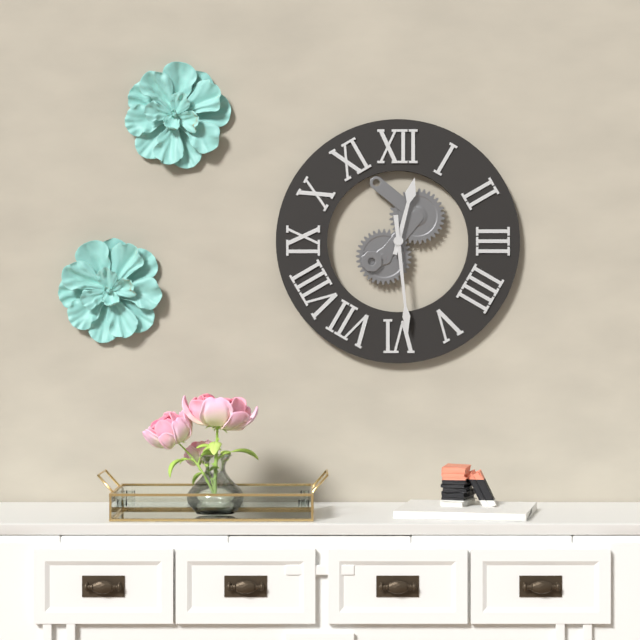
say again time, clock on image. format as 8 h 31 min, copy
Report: 12 h 29 min
